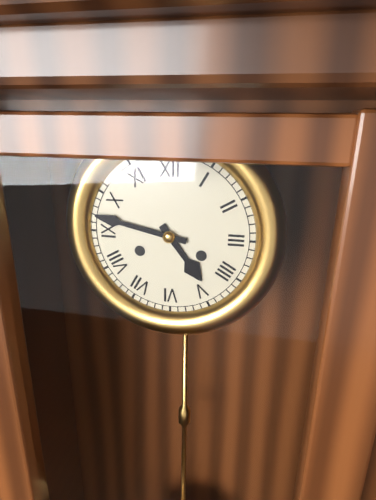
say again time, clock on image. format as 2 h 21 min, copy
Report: 4 h 47 min
